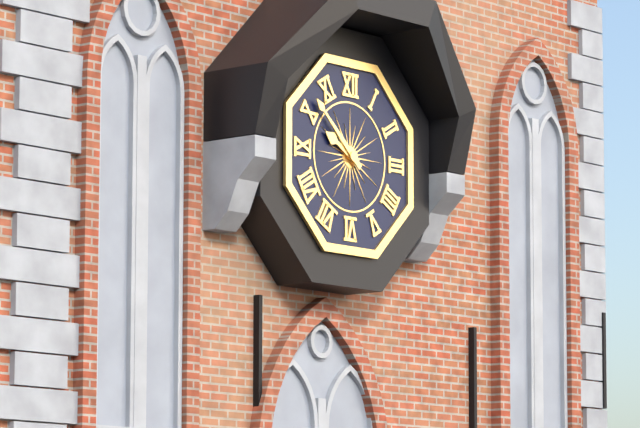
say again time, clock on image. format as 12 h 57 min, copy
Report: 9 h 52 min
